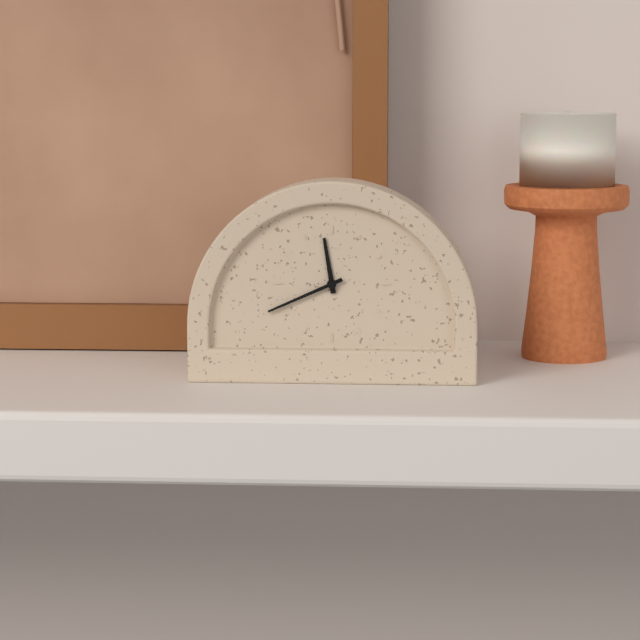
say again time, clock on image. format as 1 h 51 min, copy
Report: 11 h 41 min
